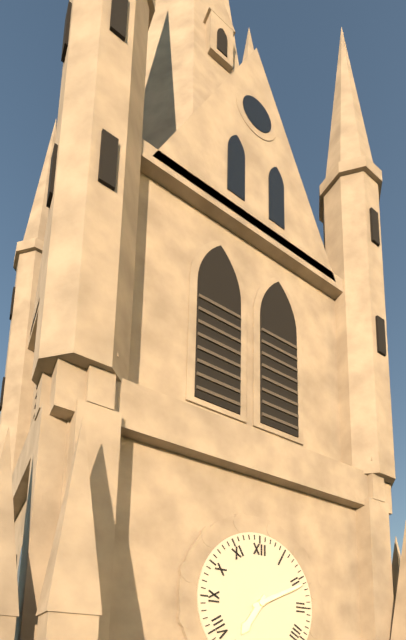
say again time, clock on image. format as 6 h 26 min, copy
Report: 7 h 11 min
